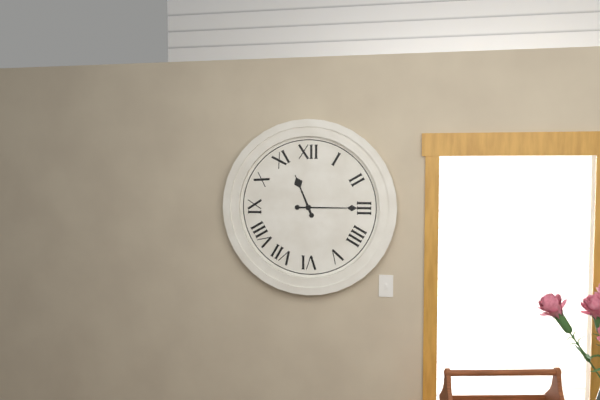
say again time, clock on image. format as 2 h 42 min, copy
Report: 11 h 15 min
